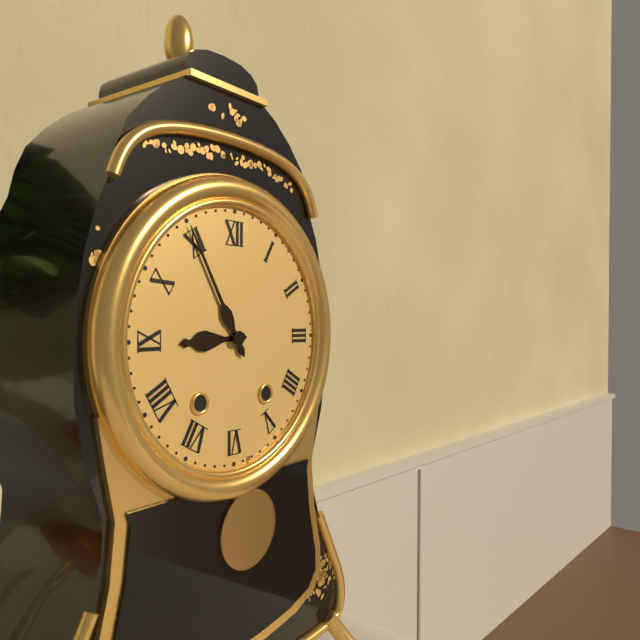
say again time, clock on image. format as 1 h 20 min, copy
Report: 8 h 55 min
